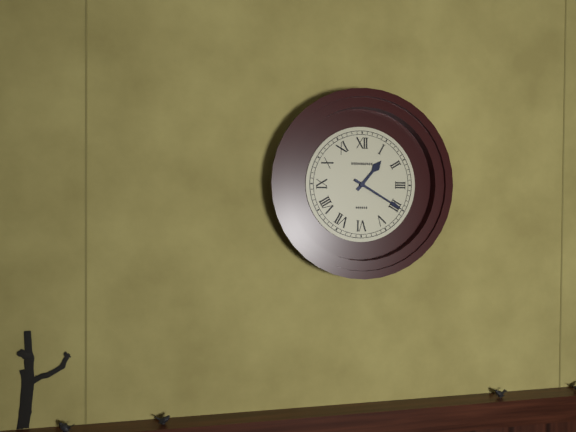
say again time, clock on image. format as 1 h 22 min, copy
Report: 1 h 20 min
